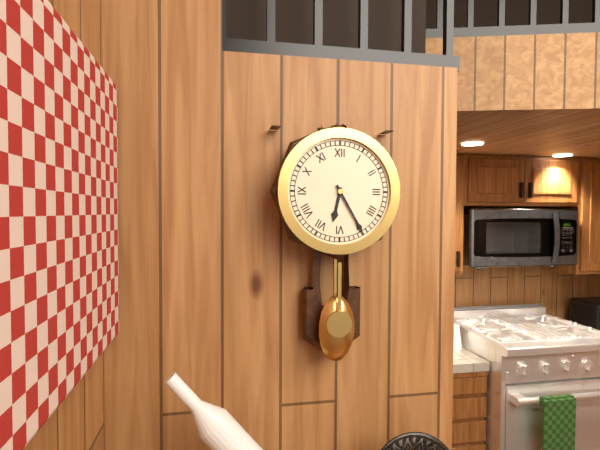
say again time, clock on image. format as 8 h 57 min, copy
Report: 6 h 25 min
